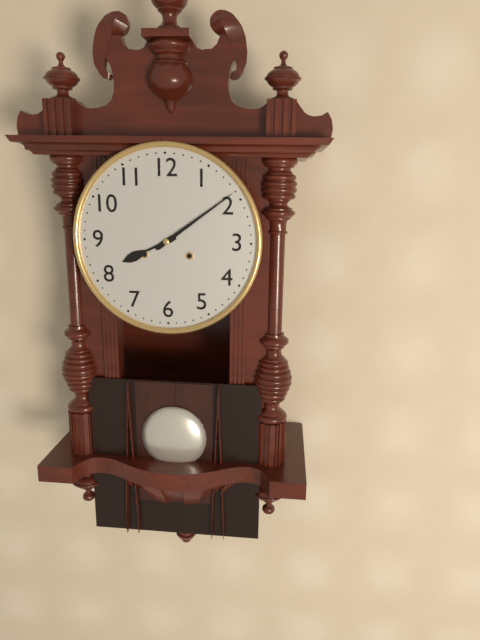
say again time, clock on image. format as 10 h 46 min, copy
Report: 8 h 09 min
